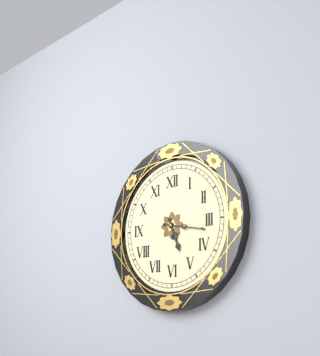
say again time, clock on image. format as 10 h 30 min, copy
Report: 5 h 17 min
